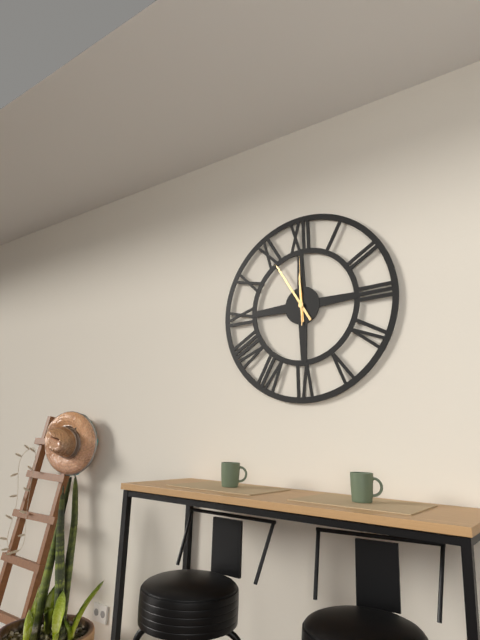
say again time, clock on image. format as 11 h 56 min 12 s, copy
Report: 11 h 55 min 00 s
